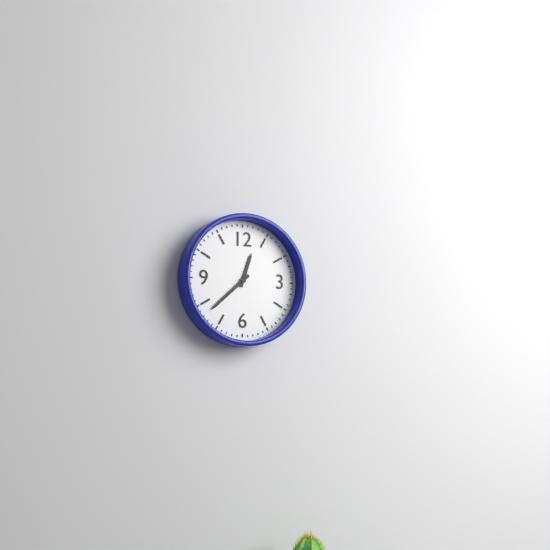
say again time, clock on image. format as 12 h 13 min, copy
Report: 12 h 38 min
